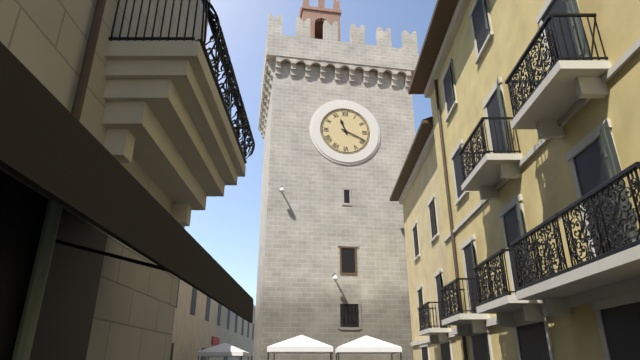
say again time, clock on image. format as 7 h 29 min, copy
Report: 11 h 19 min
